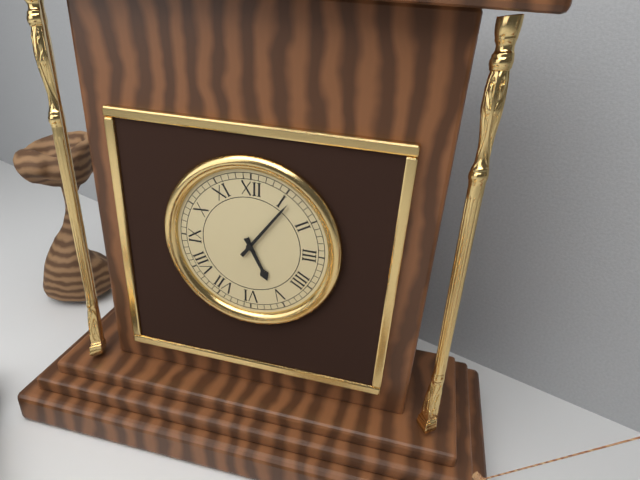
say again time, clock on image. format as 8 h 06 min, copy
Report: 5 h 06 min
